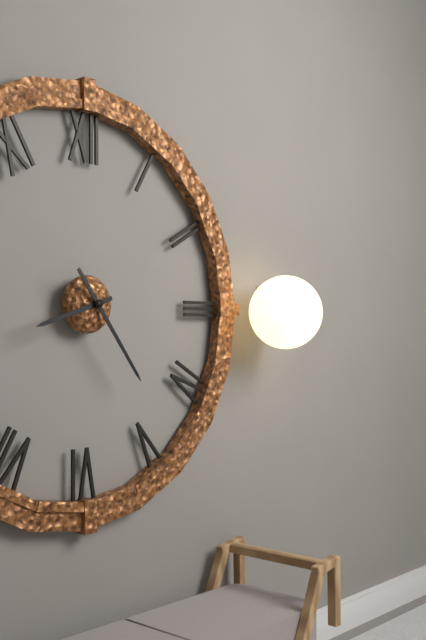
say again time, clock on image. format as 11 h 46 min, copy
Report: 8 h 24 min
